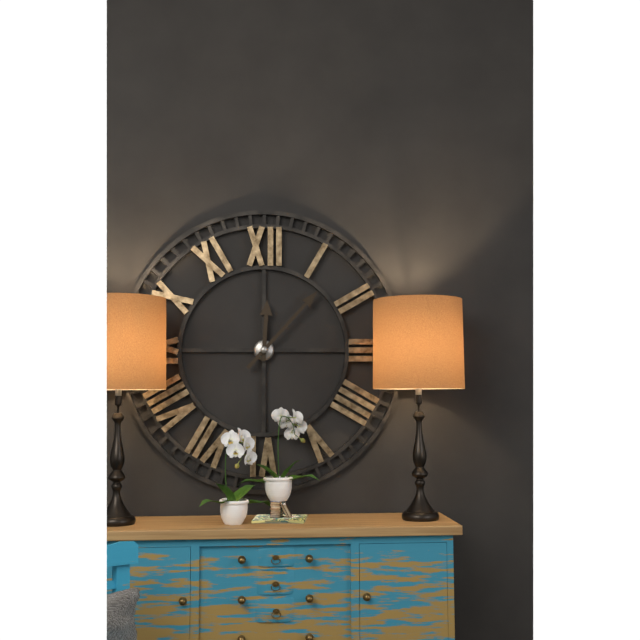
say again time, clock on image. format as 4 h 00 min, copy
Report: 12 h 07 min
